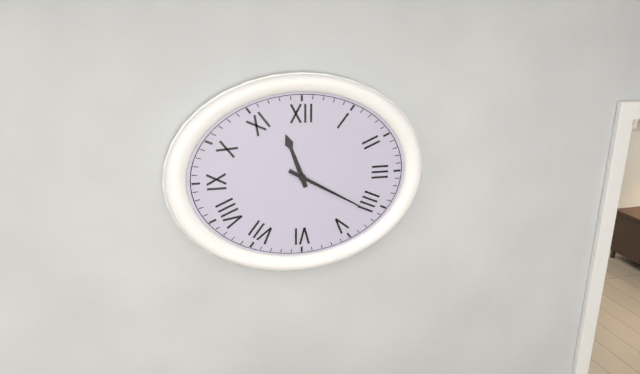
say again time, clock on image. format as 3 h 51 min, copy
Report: 11 h 20 min
